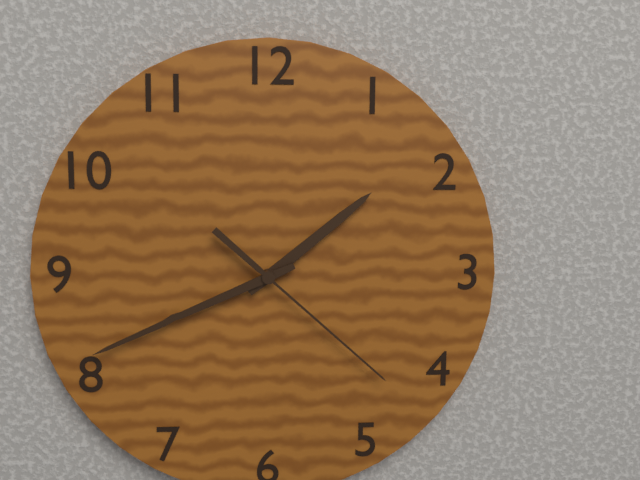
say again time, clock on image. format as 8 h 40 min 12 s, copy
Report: 1 h 41 min 22 s
